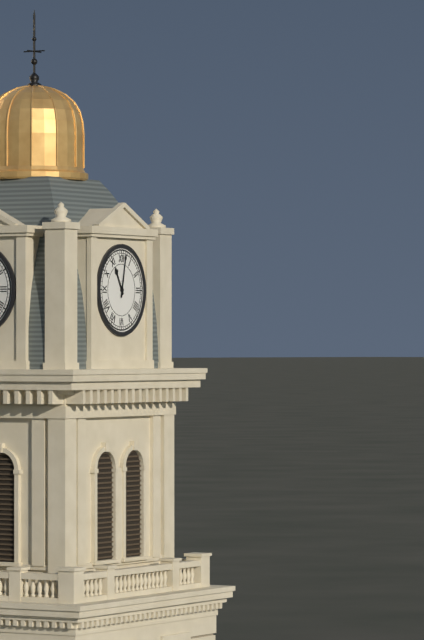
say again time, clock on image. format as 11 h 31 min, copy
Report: 11 h 02 min
